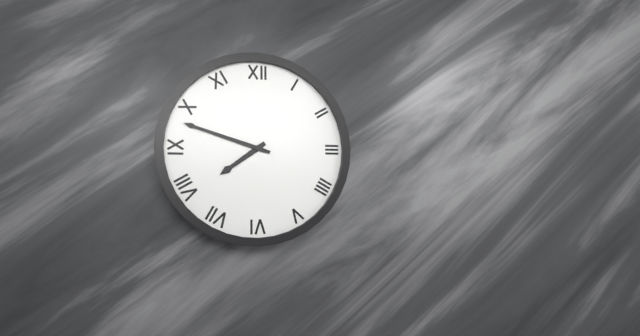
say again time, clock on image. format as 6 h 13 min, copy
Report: 7 h 48 min
